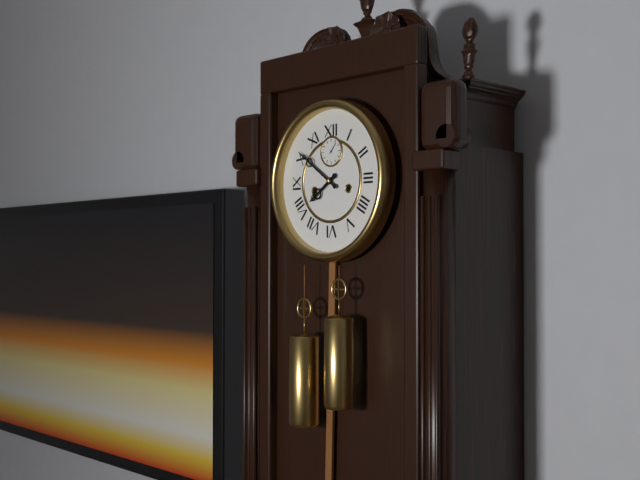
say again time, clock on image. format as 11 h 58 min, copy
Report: 7 h 51 min
